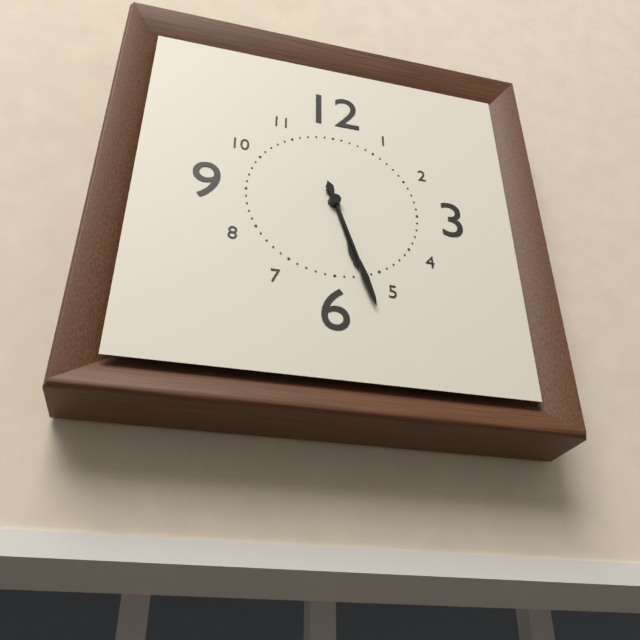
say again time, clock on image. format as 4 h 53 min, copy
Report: 5 h 27 min
